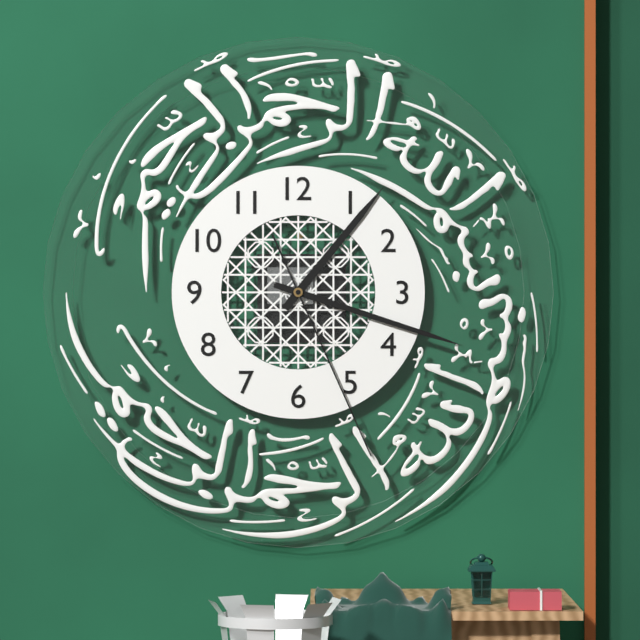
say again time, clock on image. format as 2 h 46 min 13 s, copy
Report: 1 h 18 min 26 s
